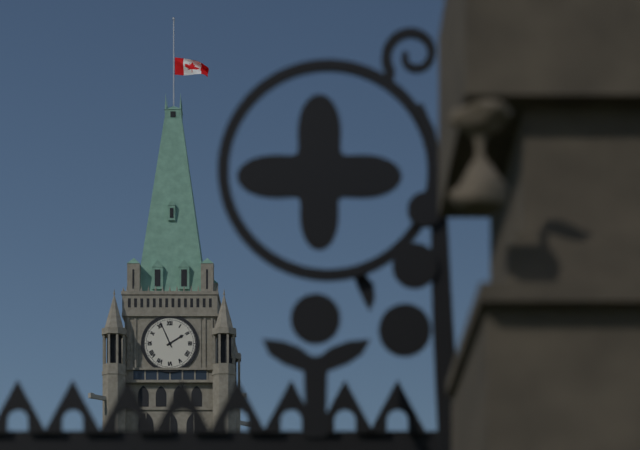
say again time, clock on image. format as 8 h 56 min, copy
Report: 1 h 56 min
